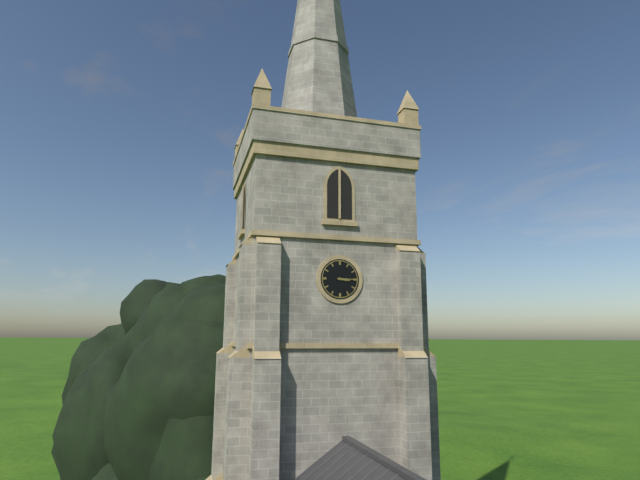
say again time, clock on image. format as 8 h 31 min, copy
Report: 3 h 15 min
